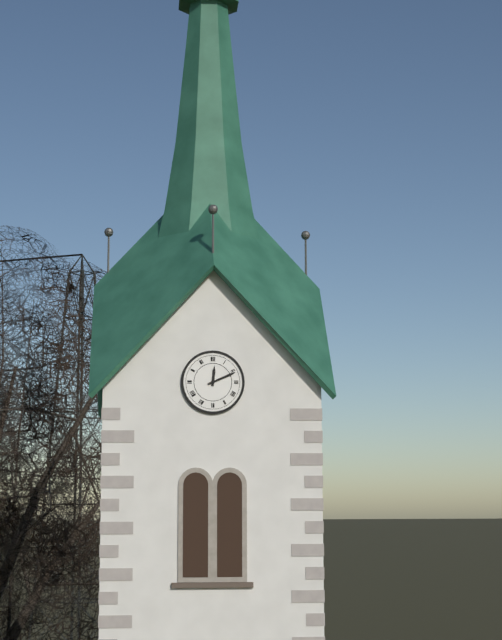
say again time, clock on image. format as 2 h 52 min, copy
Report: 12 h 11 min
